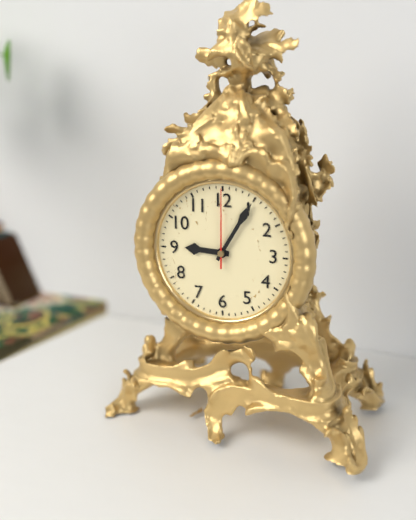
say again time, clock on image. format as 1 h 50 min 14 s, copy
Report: 9 h 05 min 00 s
